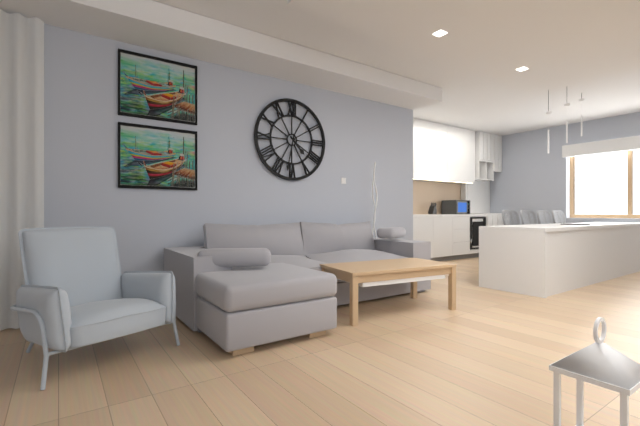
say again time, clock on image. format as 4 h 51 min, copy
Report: 4 h 32 min
